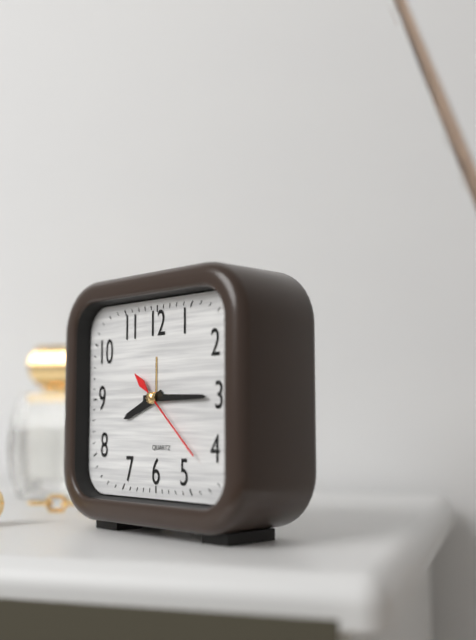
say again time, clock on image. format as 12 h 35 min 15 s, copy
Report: 8 h 15 min 22 s
